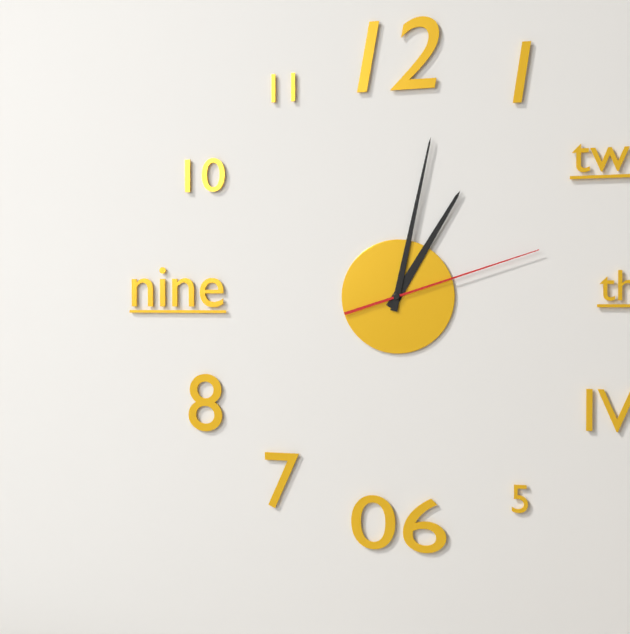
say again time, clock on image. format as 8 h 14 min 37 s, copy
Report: 1 h 02 min 12 s
